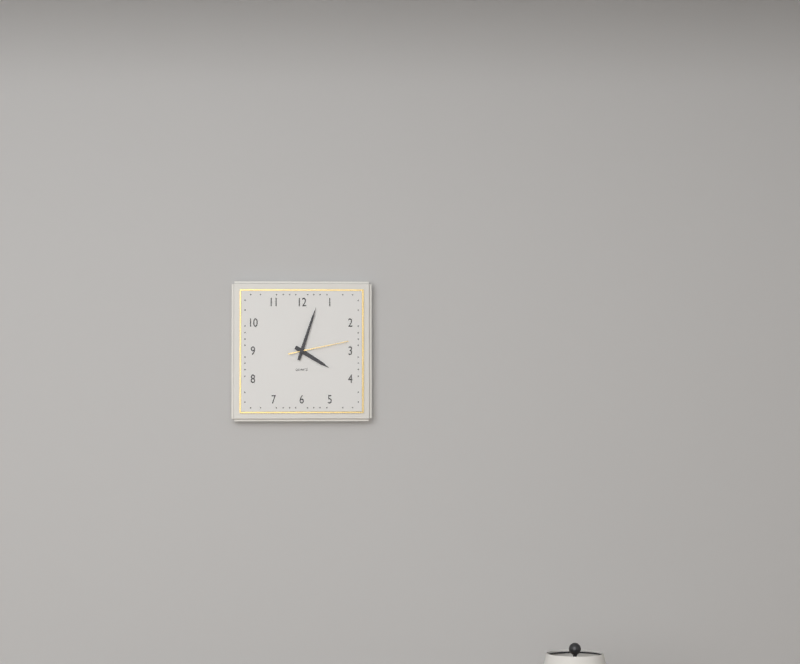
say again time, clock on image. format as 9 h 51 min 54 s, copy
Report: 4 h 03 min 13 s
